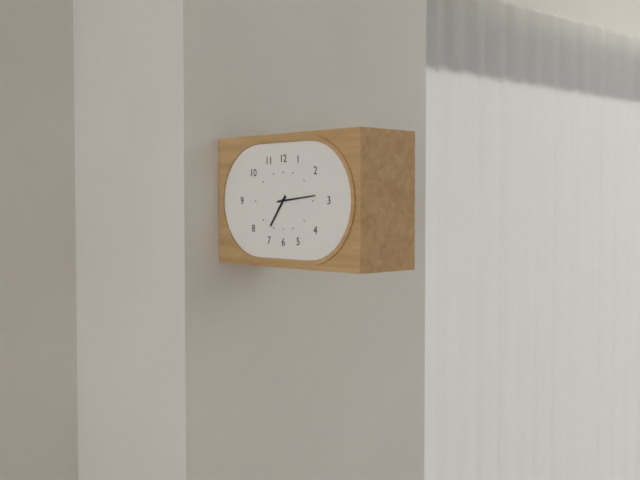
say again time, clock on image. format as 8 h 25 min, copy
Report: 7 h 14 min
